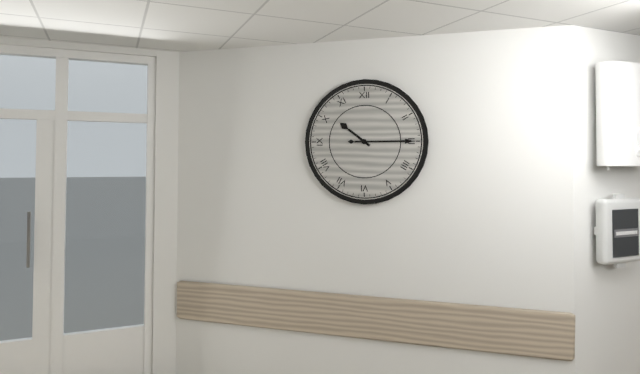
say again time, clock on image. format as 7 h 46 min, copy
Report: 10 h 15 min
